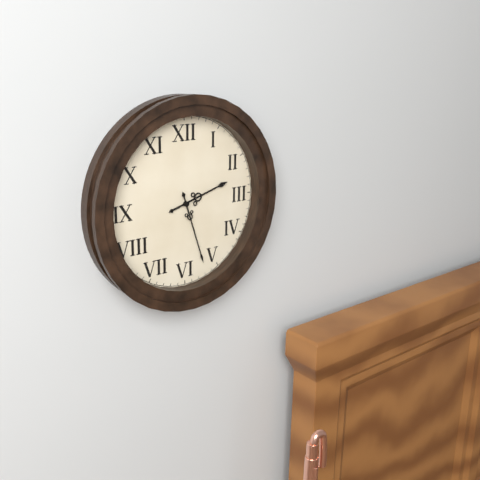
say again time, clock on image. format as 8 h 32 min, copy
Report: 2 h 27 min
